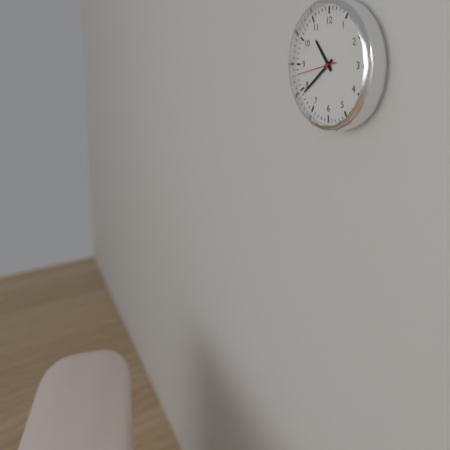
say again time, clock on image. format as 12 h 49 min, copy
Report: 10 h 39 min
